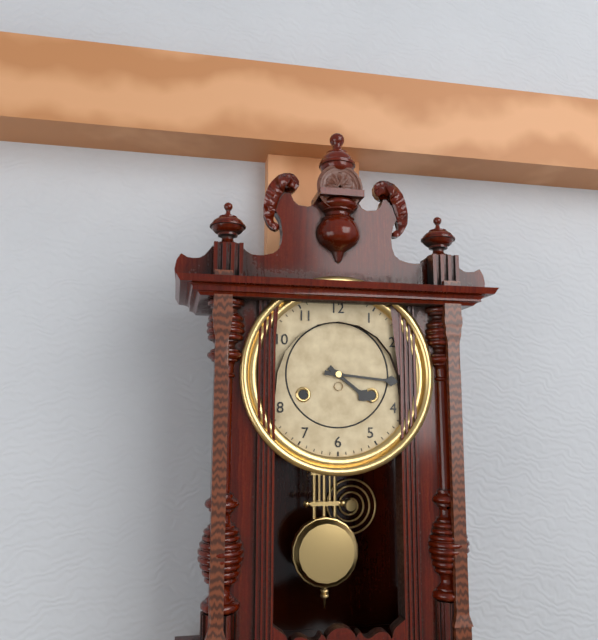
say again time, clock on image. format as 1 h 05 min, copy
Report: 4 h 16 min
